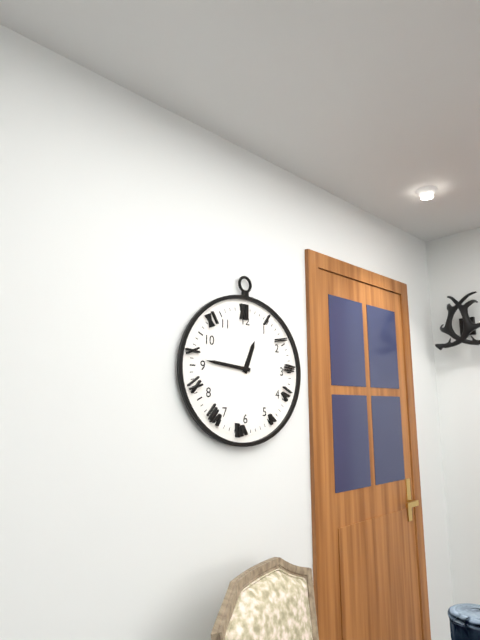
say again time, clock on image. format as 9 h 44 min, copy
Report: 12 h 46 min
